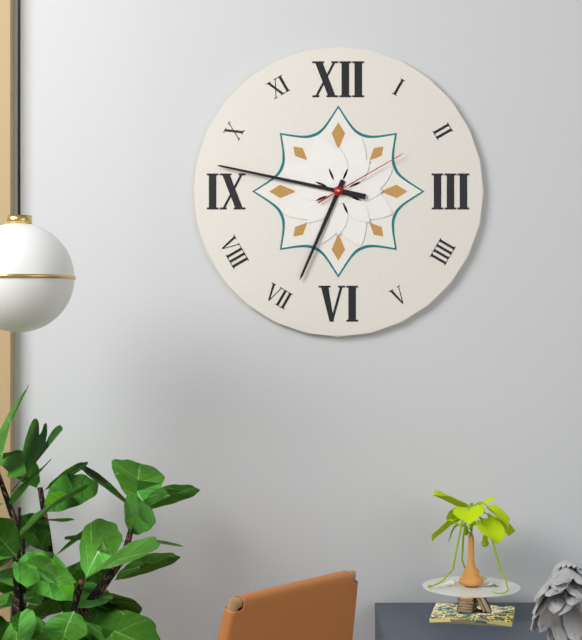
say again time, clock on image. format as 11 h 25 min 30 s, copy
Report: 6 h 47 min 10 s
